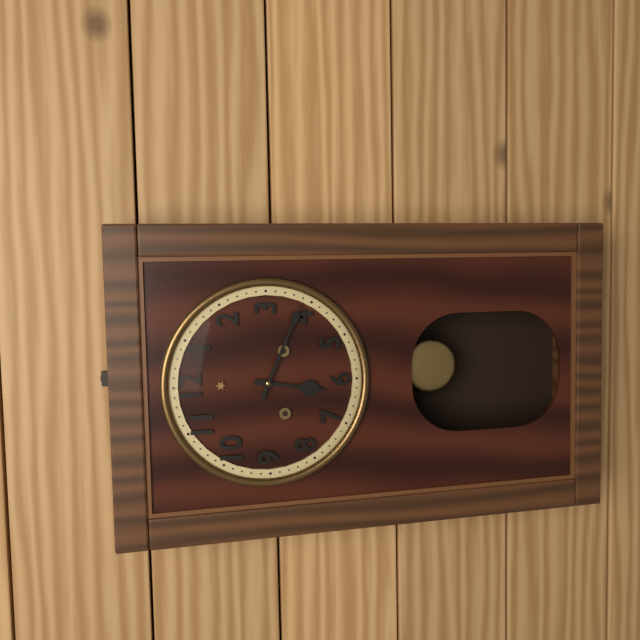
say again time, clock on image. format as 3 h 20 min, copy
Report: 6 h 19 min
